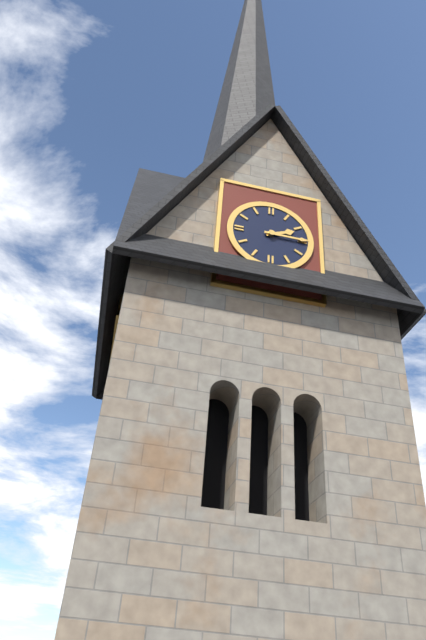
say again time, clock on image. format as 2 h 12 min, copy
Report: 2 h 15 min
